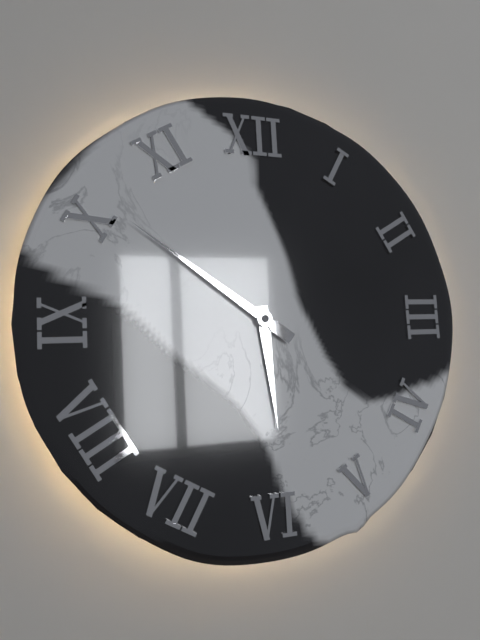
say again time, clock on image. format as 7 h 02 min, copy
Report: 5 h 51 min
